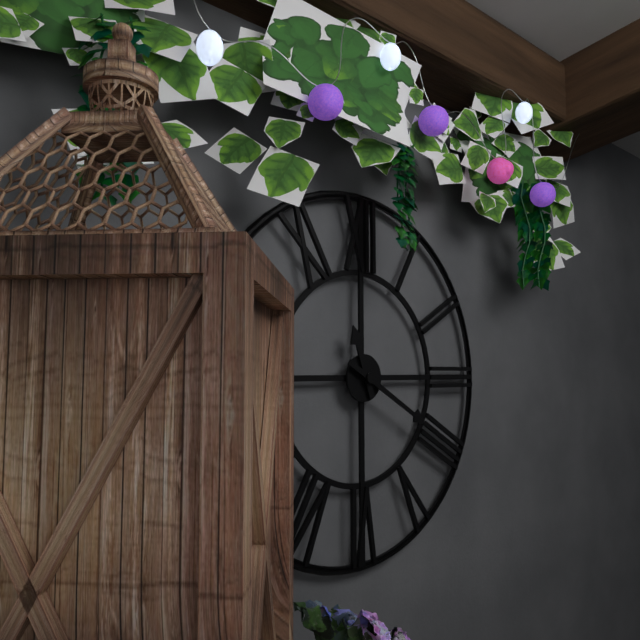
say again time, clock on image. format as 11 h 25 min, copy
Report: 11 h 20 min
